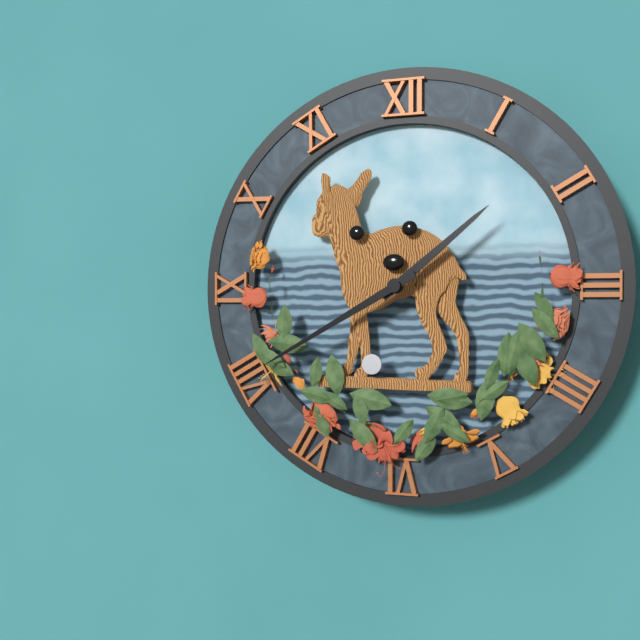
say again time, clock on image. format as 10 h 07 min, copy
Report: 1 h 40 min
